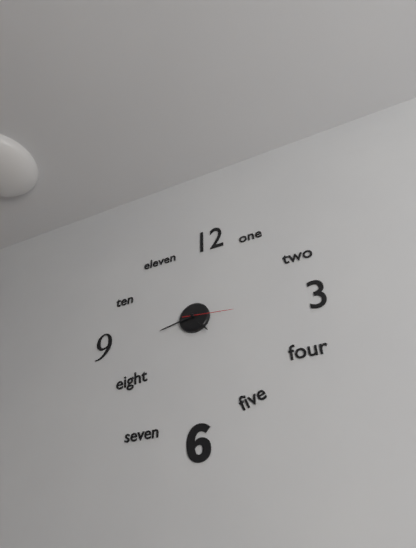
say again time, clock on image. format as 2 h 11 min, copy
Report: 4 h 43 min
